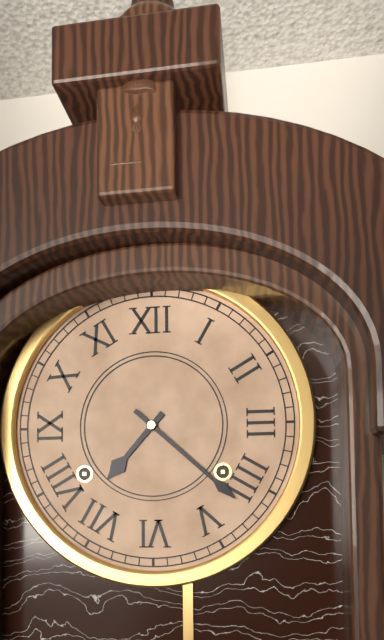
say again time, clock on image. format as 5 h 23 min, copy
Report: 7 h 22 min
